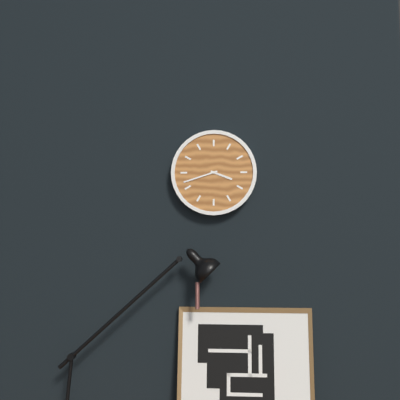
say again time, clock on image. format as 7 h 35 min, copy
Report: 3 h 42 min
